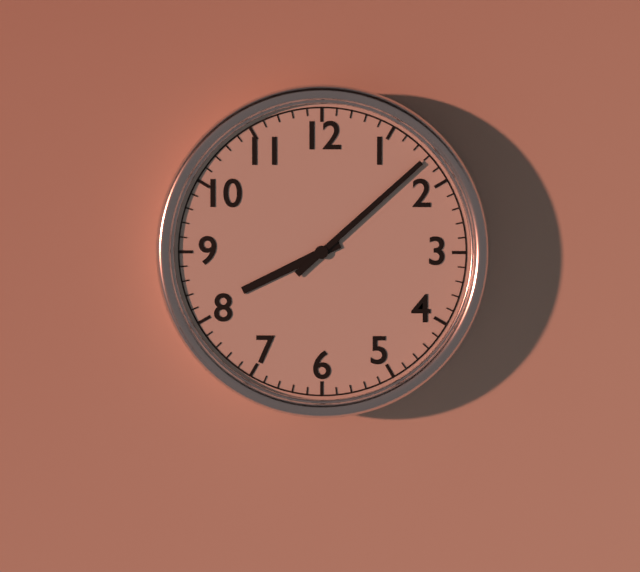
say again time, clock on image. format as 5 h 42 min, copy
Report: 8 h 08 min
